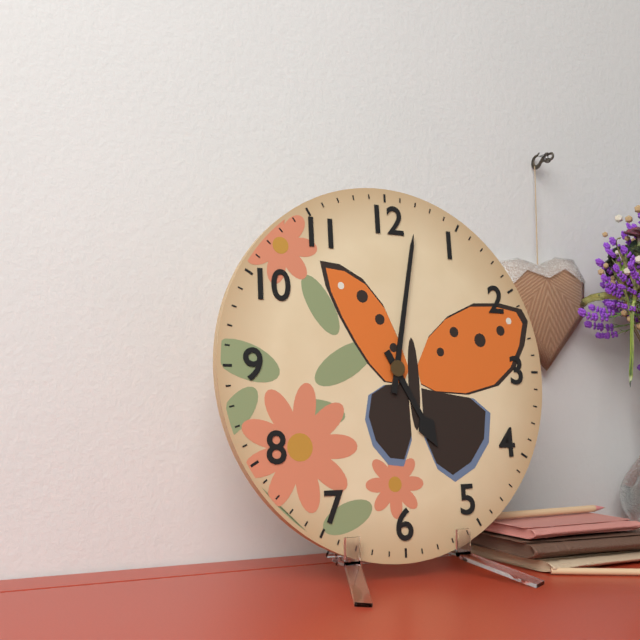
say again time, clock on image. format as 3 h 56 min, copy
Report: 5 h 02 min
